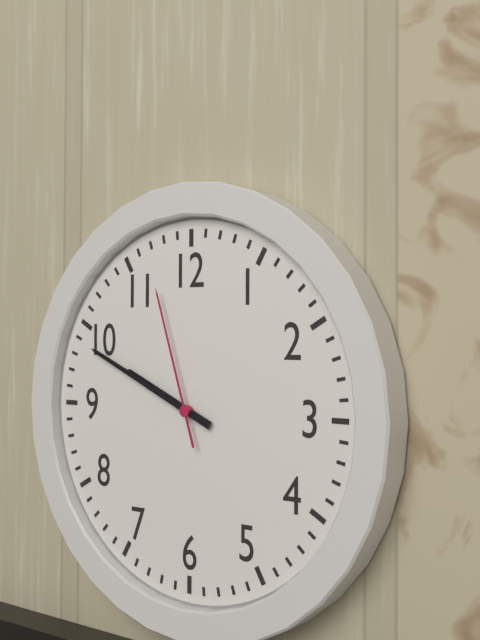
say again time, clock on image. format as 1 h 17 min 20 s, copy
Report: 9 h 49 min 57 s
